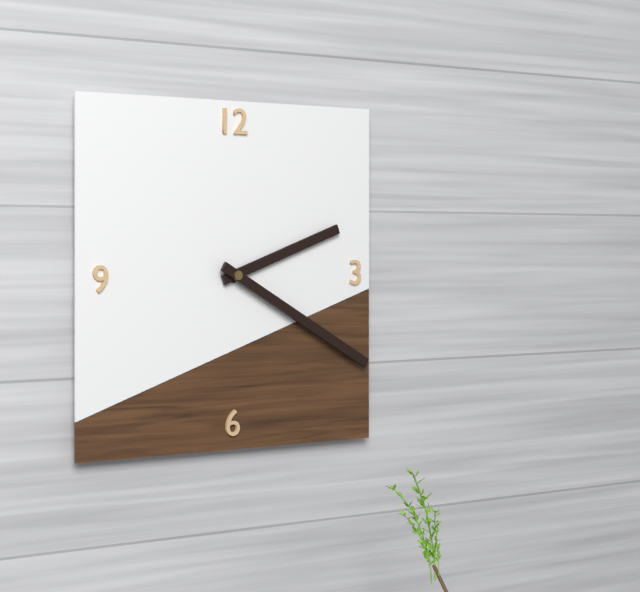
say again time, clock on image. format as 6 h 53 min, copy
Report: 2 h 20 min
